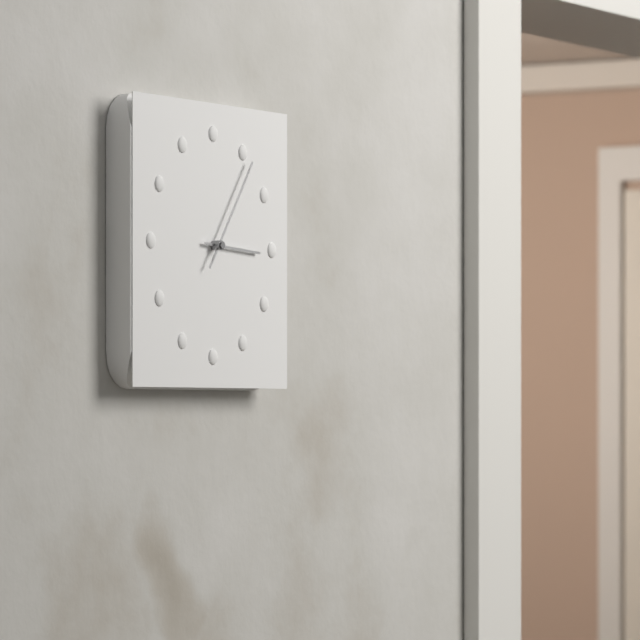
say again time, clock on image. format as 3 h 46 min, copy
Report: 3 h 06 min
